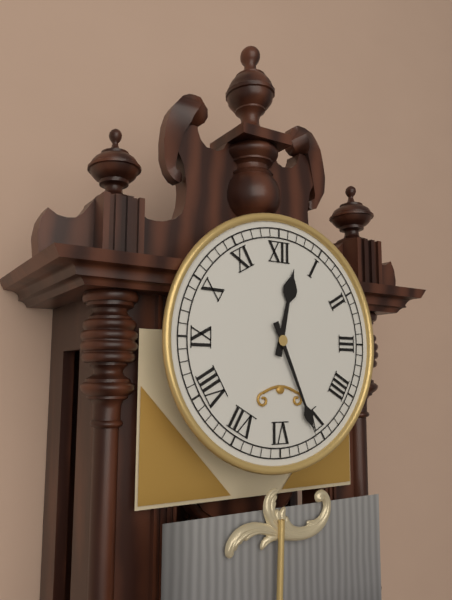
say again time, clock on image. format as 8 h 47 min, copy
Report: 12 h 26 min
